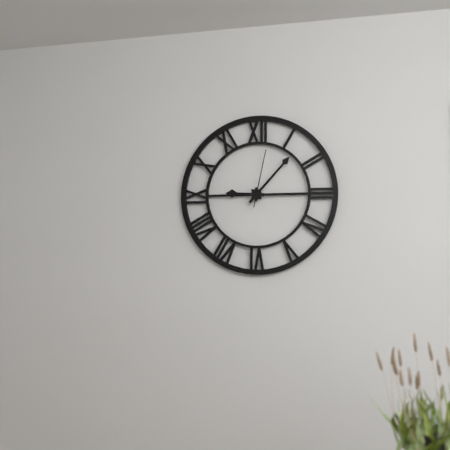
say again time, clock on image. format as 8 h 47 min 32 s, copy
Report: 9 h 07 min 02 s
